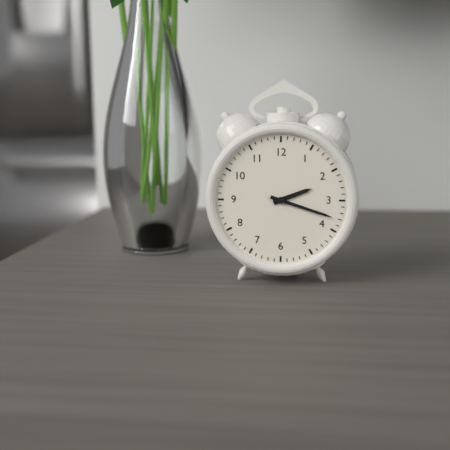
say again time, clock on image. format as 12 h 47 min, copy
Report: 2 h 18 min
